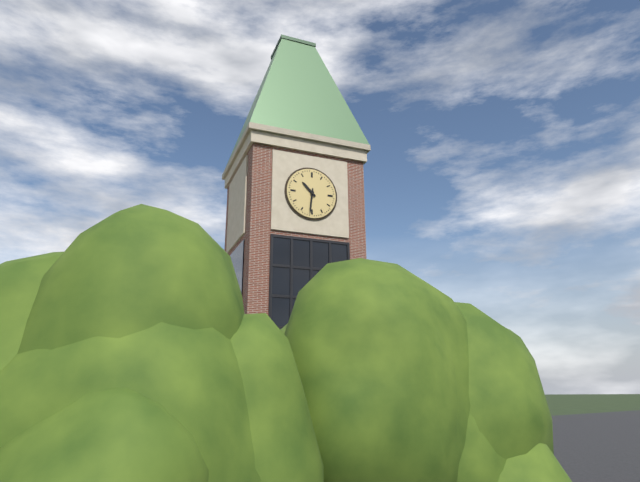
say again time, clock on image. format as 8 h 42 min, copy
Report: 10 h 31 min
